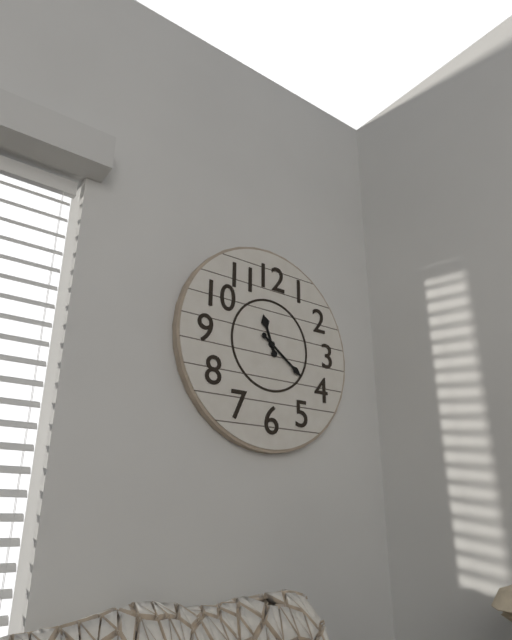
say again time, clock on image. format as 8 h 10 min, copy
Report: 11 h 21 min
